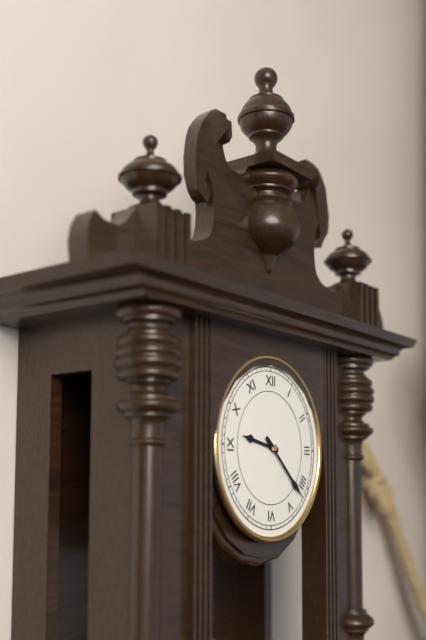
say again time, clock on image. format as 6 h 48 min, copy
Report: 9 h 22 min
